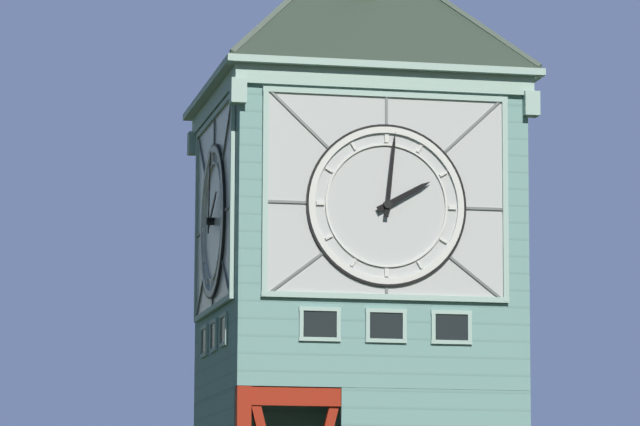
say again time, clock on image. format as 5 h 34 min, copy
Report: 2 h 01 min
